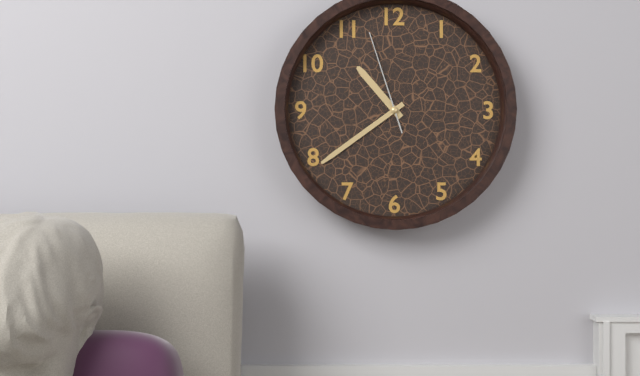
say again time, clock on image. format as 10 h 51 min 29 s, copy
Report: 10 h 39 min 57 s
